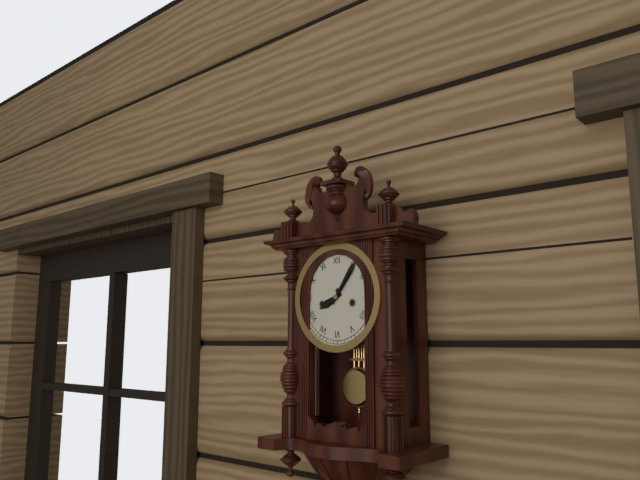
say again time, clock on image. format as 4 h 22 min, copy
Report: 8 h 06 min
